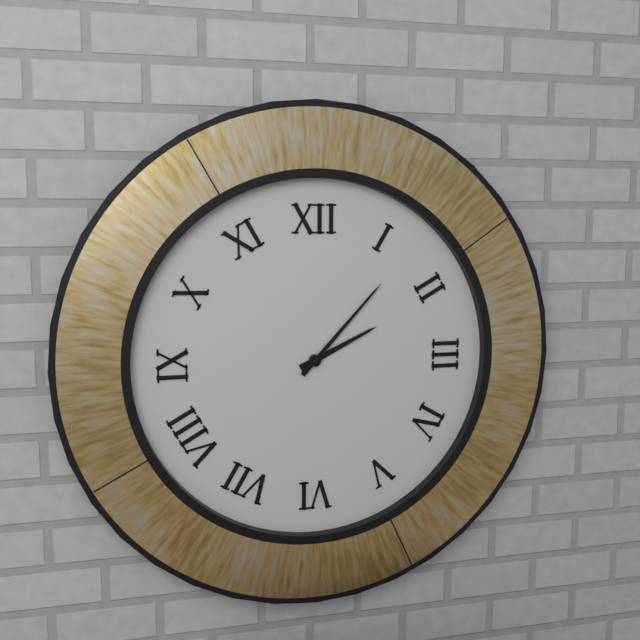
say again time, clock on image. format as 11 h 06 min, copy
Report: 2 h 07 min
